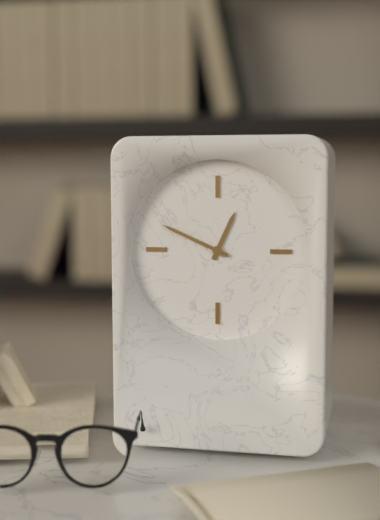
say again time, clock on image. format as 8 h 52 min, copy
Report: 12 h 49 min
